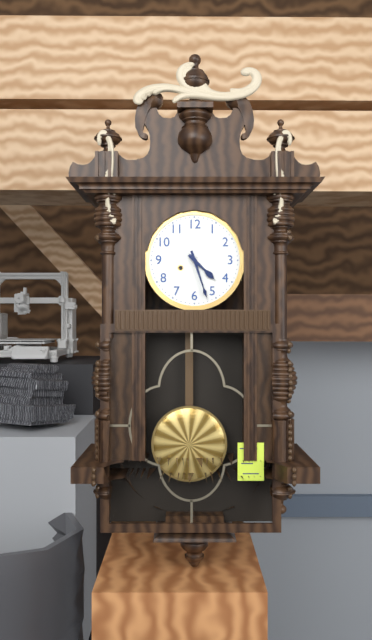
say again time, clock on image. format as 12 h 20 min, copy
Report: 4 h 27 min
